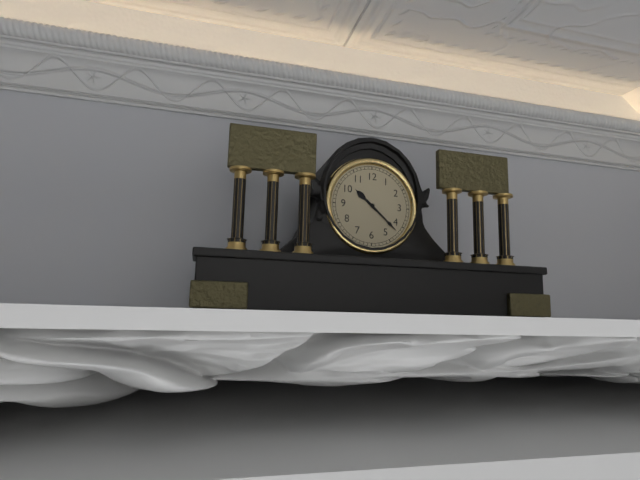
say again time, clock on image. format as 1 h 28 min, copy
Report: 10 h 22 min
